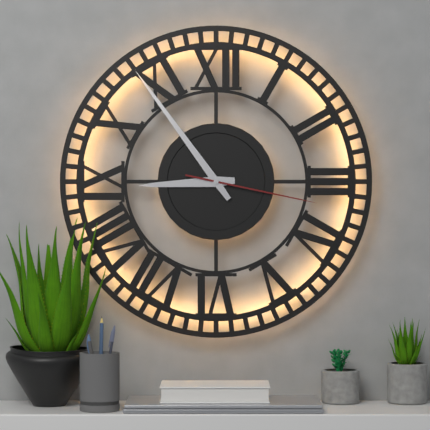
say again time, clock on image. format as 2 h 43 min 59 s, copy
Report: 8 h 54 min 17 s
